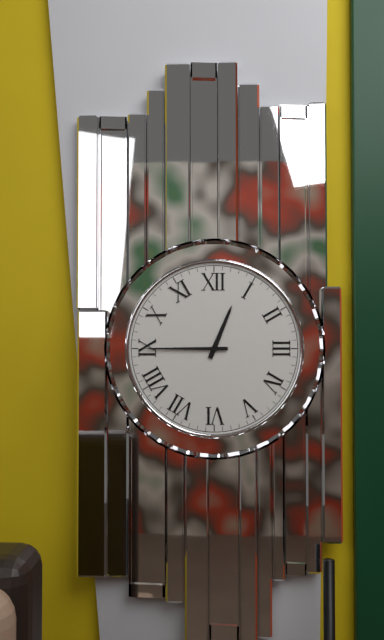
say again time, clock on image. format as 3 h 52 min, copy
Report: 12 h 45 min
